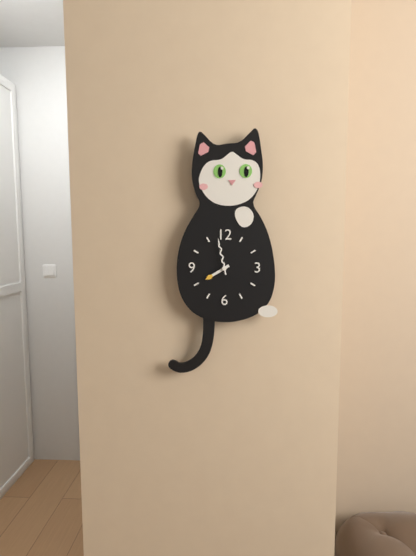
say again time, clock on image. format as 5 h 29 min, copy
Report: 7 h 58 min
